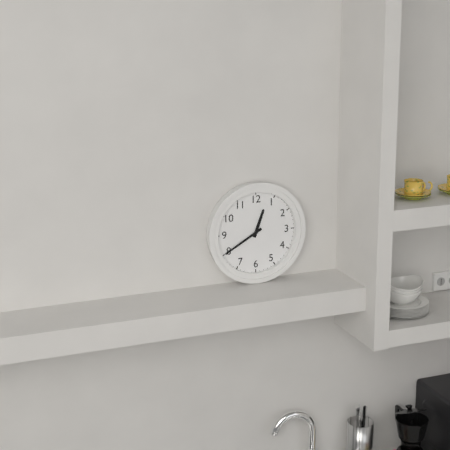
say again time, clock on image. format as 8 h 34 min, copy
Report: 12 h 40 min
